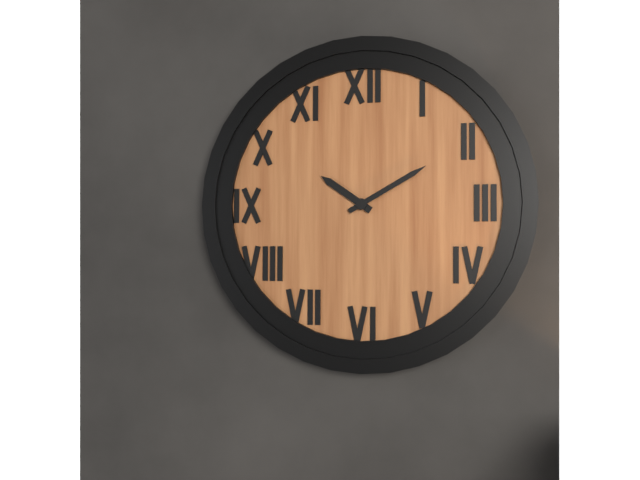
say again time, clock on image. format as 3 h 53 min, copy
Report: 10 h 10 min
